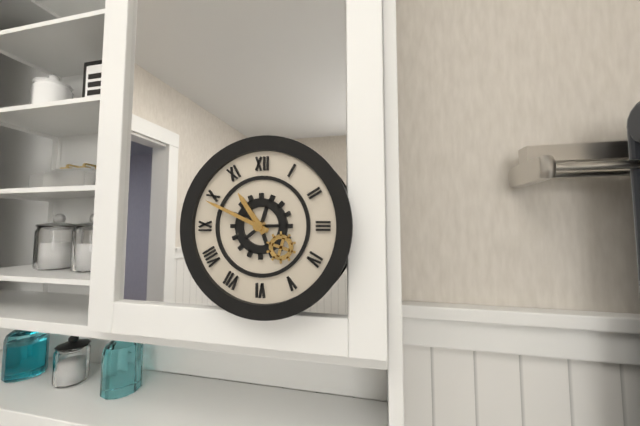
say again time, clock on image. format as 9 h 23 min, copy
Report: 10 h 49 min
